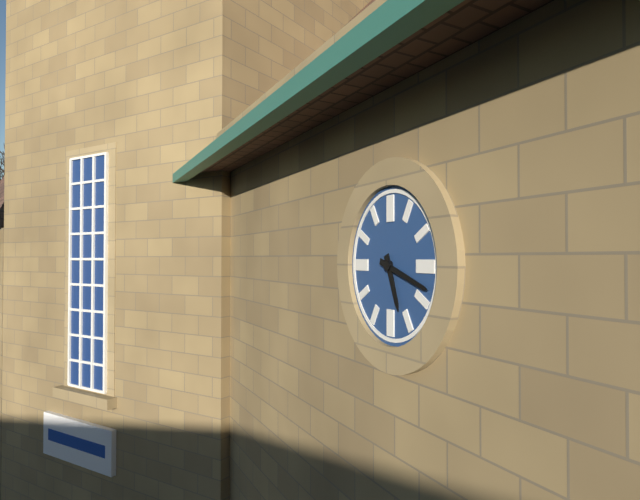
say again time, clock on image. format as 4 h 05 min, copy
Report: 5 h 18 min
